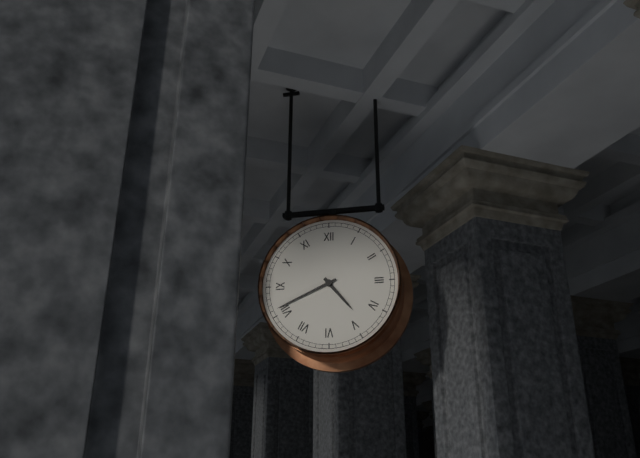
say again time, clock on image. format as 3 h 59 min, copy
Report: 4 h 41 min
